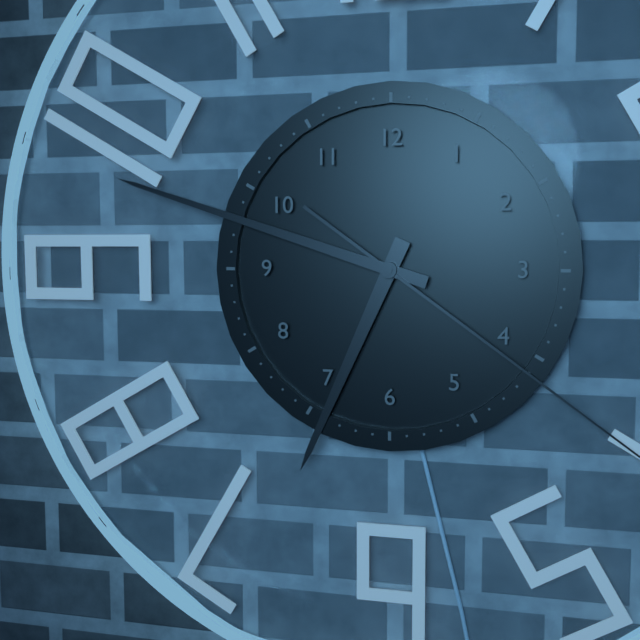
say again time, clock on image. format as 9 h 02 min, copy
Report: 6 h 48 min
